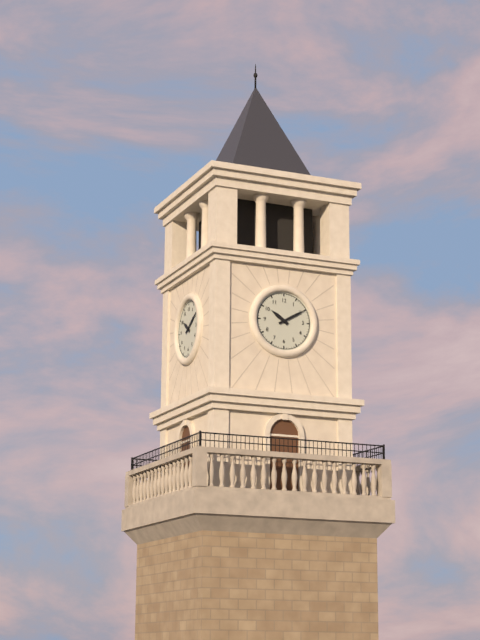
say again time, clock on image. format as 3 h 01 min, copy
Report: 10 h 10 min
